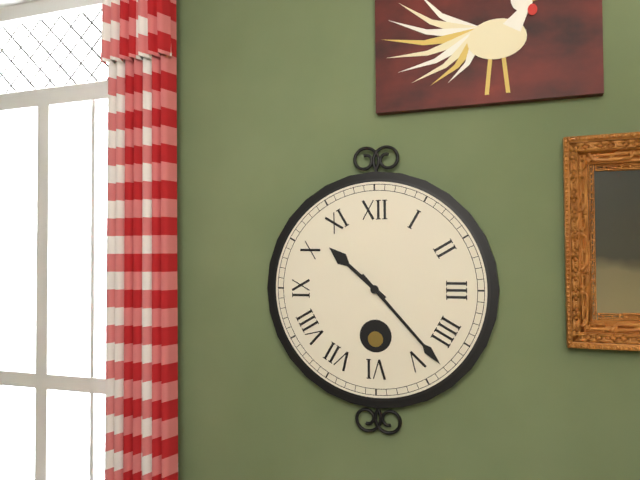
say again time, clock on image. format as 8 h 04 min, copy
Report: 10 h 23 min
